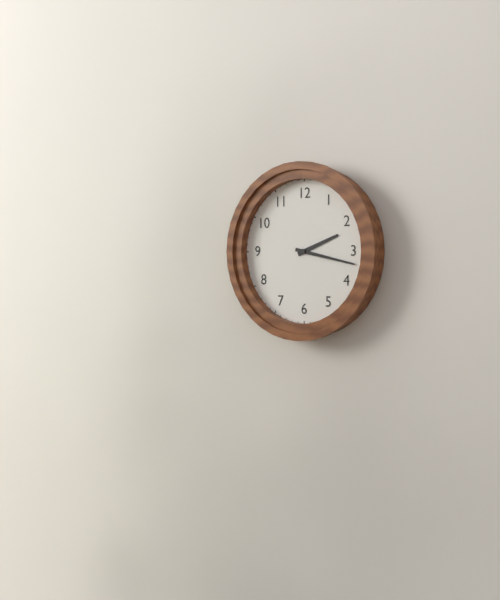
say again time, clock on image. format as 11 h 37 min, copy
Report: 2 h 17 min
